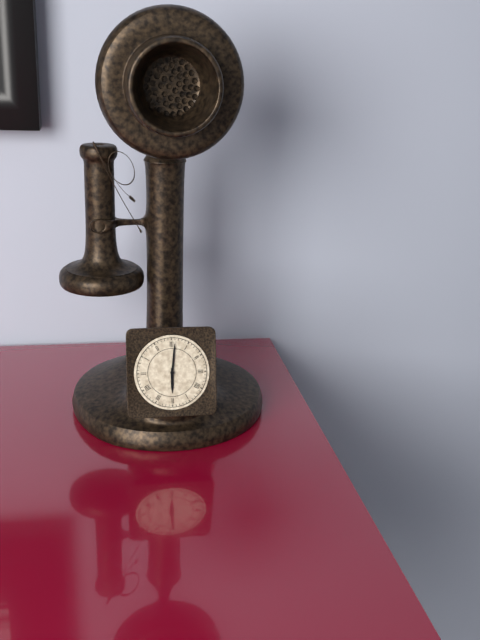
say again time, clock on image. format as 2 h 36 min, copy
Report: 6 h 01 min
